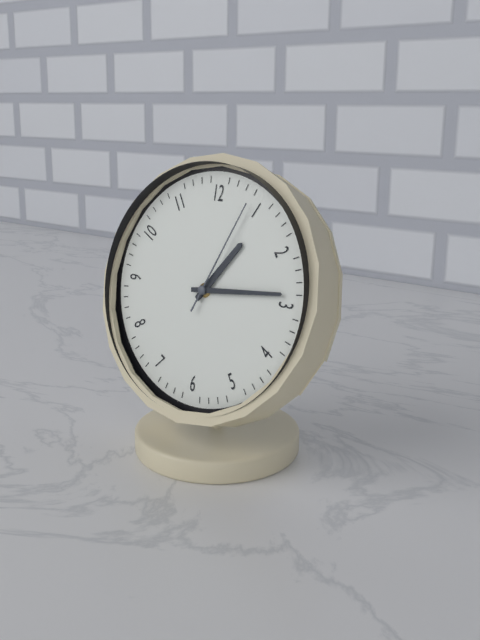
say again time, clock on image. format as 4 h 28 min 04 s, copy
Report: 1 h 14 min 04 s
